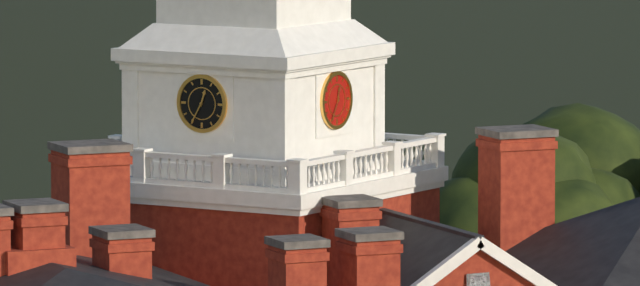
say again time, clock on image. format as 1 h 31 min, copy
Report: 12 h 35 min
